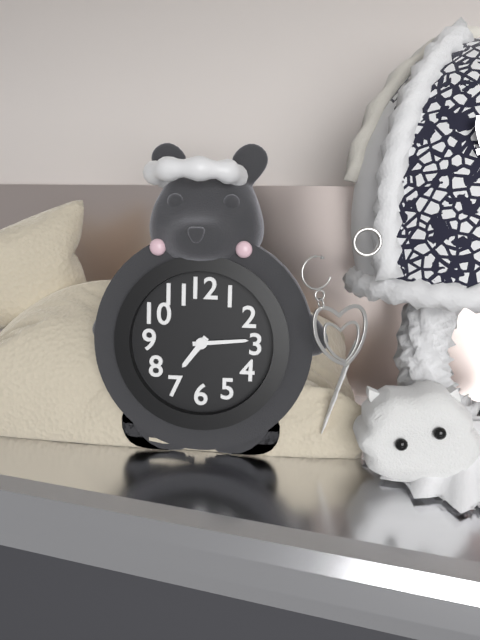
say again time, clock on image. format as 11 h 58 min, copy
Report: 7 h 14 min
